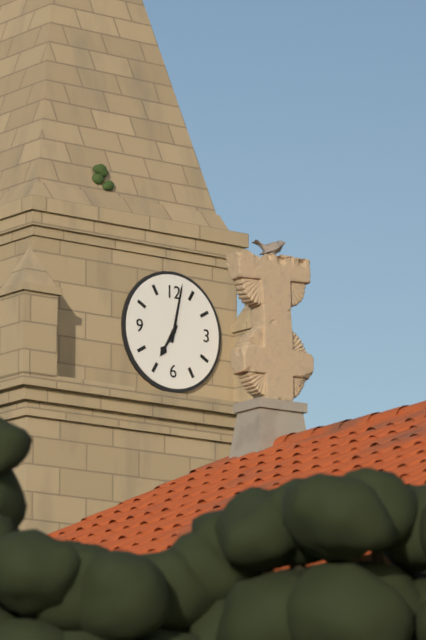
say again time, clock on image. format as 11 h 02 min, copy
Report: 7 h 02 min
